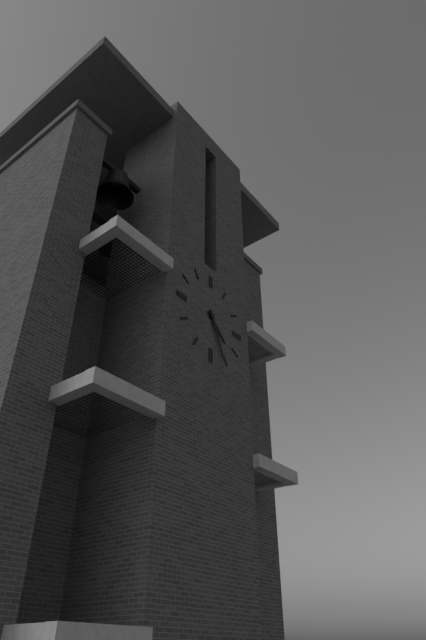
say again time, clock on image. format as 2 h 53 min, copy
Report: 4 h 26 min
